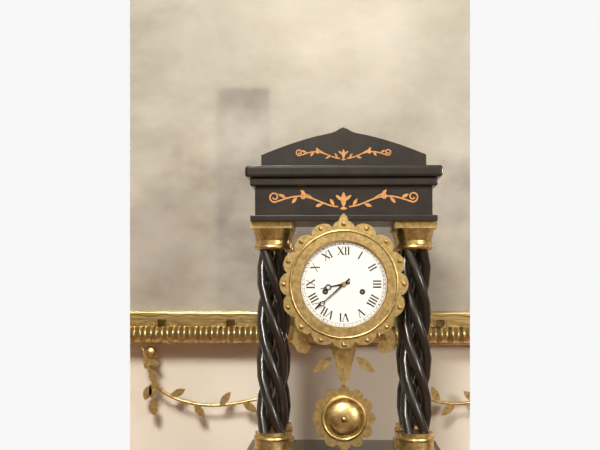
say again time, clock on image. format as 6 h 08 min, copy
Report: 8 h 38 min
